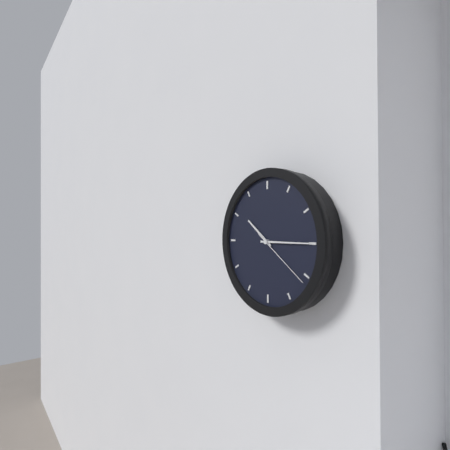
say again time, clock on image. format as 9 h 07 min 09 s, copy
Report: 10 h 15 min 21 s
